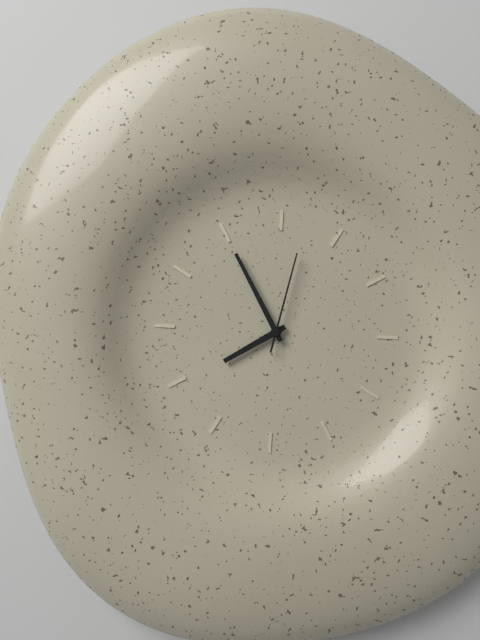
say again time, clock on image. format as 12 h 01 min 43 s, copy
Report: 7 h 55 min 02 s
